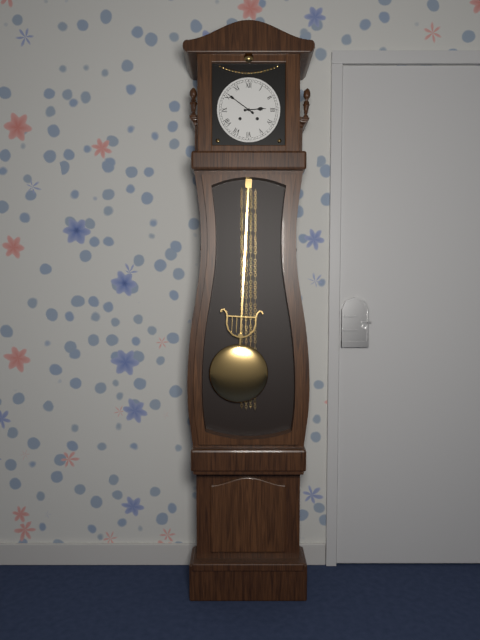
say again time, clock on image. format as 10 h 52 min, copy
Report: 2 h 51 min
